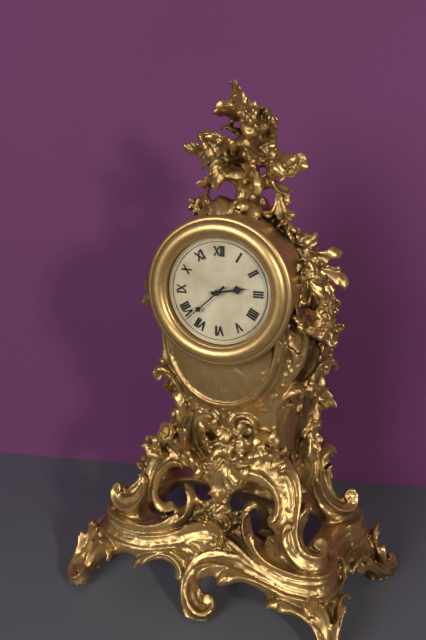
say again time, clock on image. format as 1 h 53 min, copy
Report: 2 h 38 min
